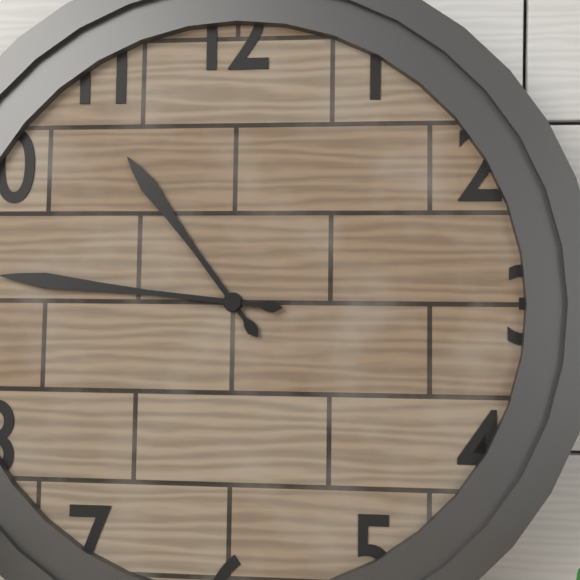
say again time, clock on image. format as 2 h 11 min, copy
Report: 10 h 46 min
